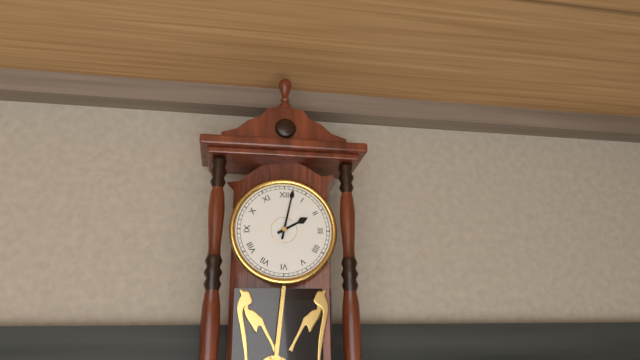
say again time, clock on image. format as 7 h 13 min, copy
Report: 2 h 02 min
